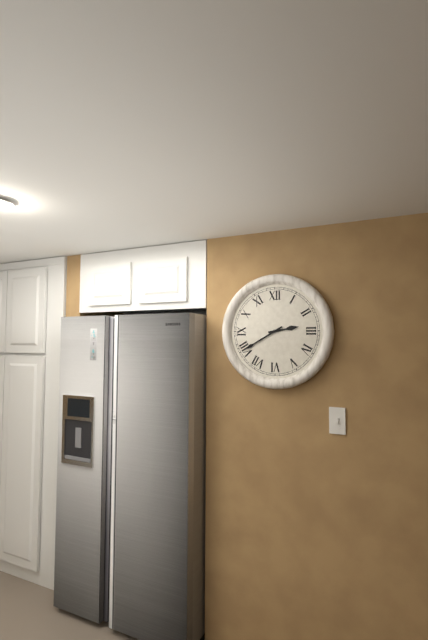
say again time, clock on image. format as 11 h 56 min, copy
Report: 2 h 40 min
